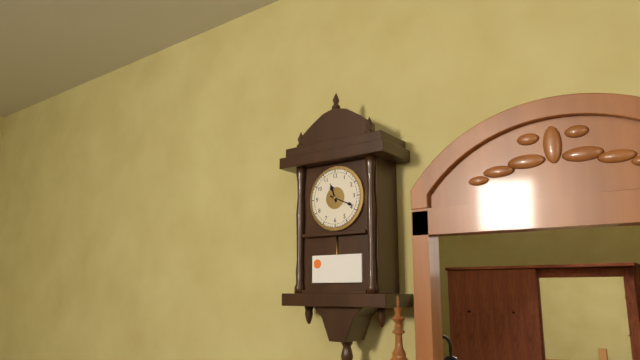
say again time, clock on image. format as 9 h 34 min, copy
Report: 11 h 19 min
